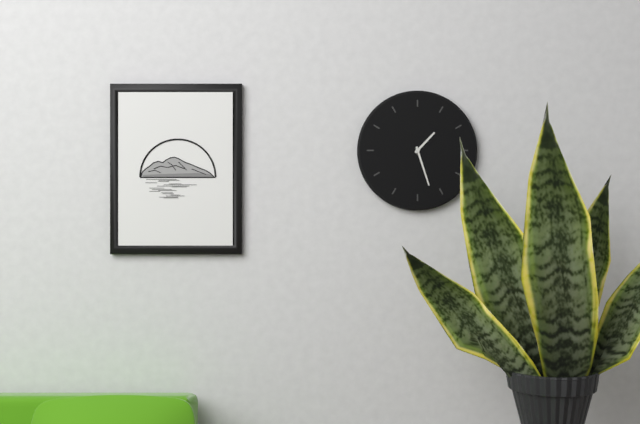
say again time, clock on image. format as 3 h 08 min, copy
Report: 1 h 27 min
